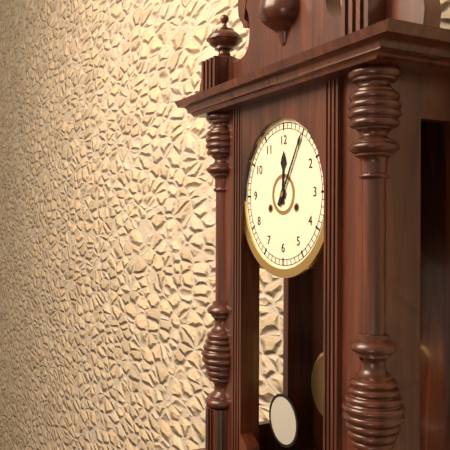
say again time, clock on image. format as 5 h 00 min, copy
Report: 12 h 05 min
